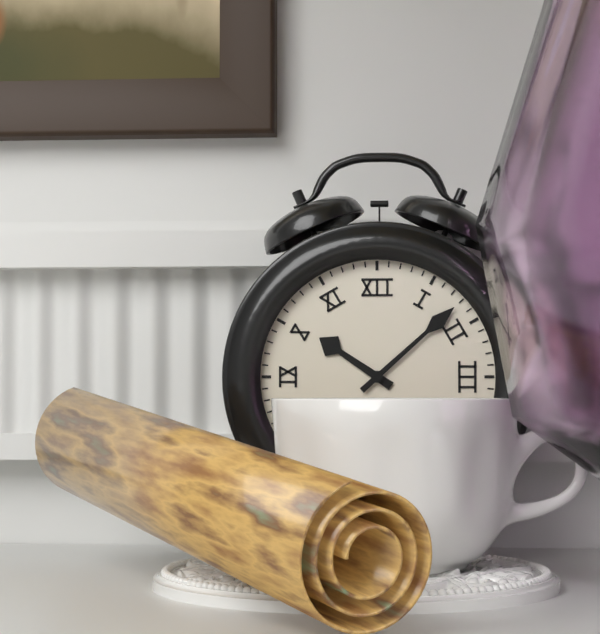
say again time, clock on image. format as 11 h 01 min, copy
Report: 10 h 08 min
